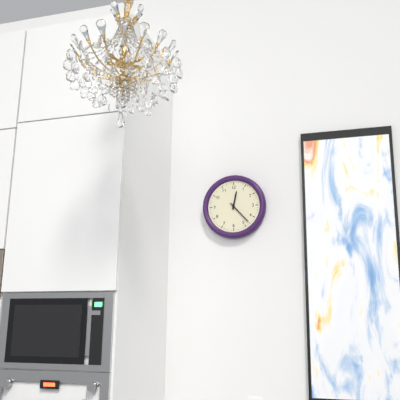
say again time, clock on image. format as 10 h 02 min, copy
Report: 12 h 23 min
